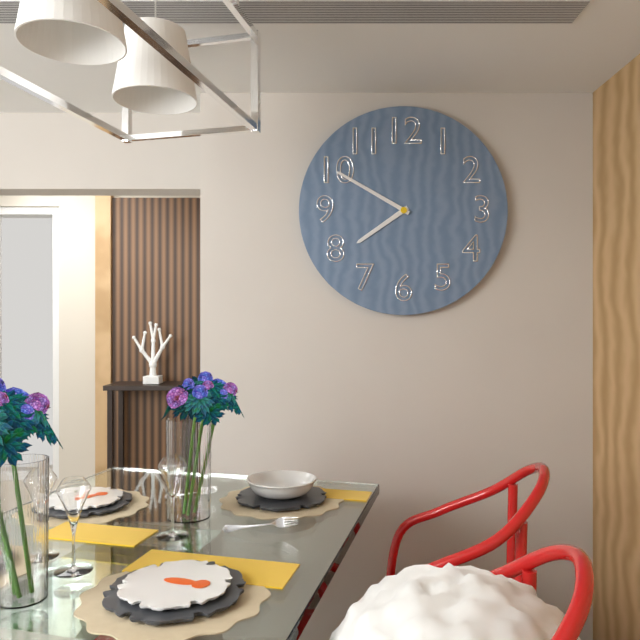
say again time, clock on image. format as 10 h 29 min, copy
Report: 7 h 50 min
